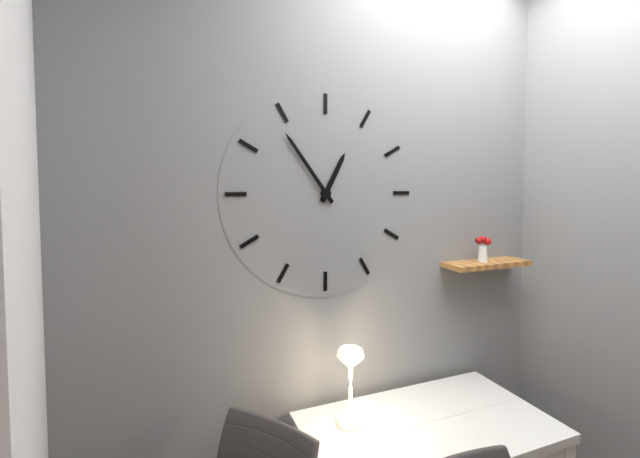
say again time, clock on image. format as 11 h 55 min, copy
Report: 12 h 54 min
